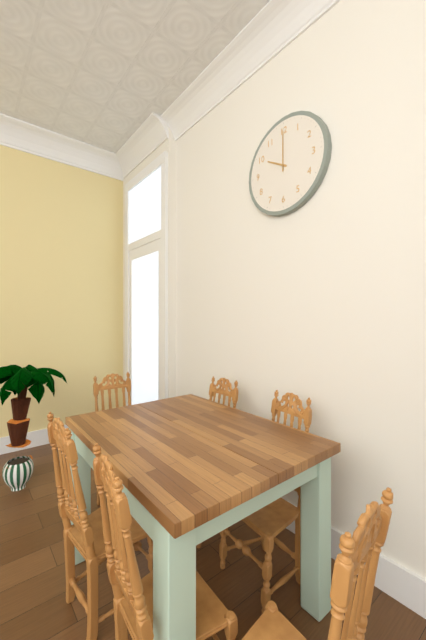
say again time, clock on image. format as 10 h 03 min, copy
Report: 10 h 00 min
